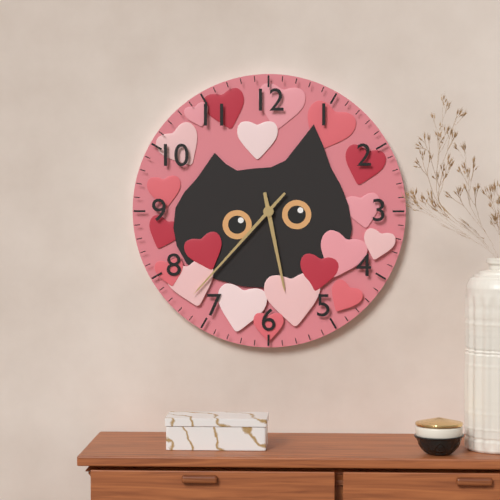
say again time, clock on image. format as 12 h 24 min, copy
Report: 5 h 37 min
